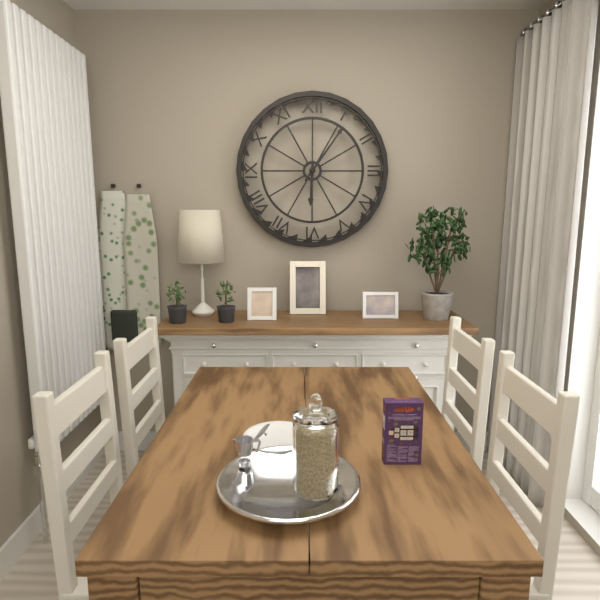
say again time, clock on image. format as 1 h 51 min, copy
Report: 6 h 06 min
